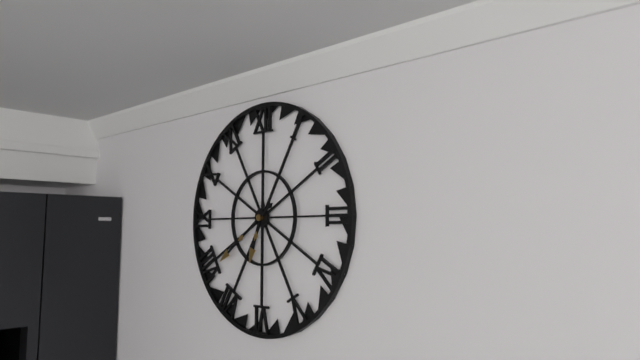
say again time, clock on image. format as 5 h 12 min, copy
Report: 6 h 39 min
